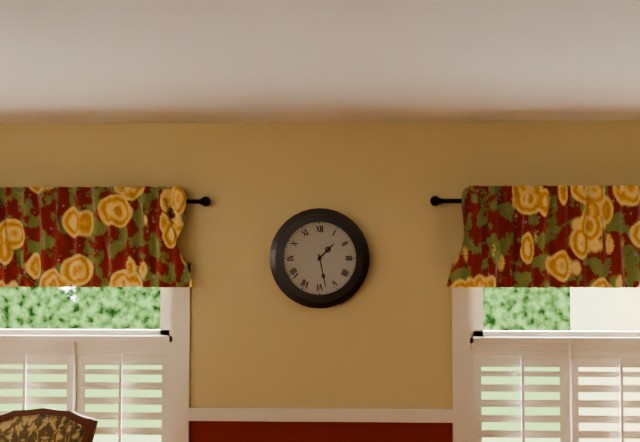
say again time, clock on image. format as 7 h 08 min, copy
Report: 1 h 28 min
